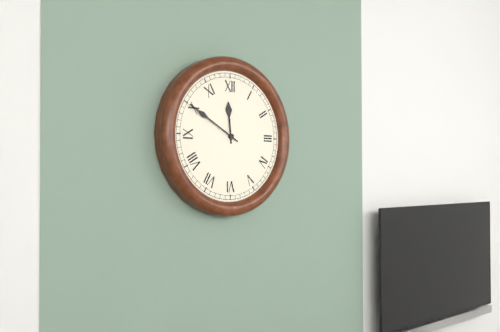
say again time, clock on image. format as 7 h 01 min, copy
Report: 11 h 50 min
